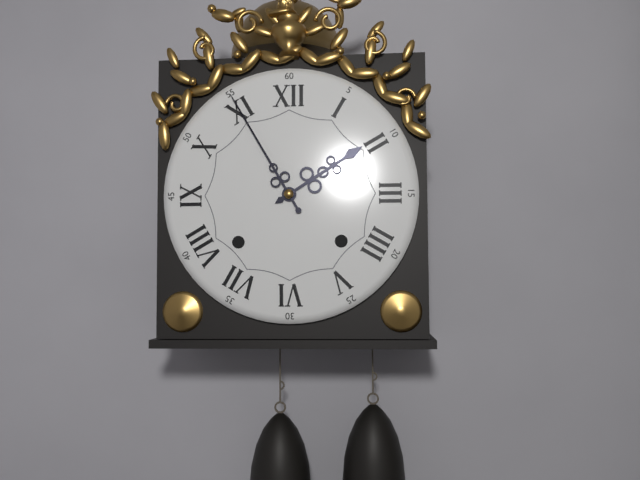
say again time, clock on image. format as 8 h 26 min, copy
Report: 1 h 55 min
